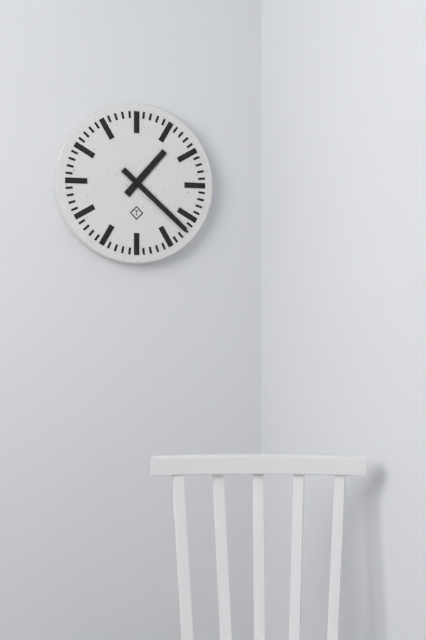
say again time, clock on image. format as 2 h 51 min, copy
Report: 1 h 22 min
